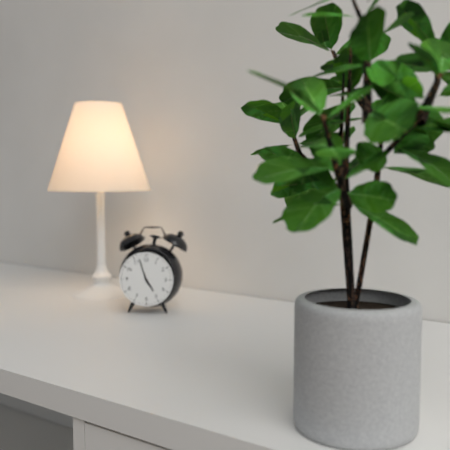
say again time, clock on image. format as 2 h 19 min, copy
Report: 4 h 57 min
